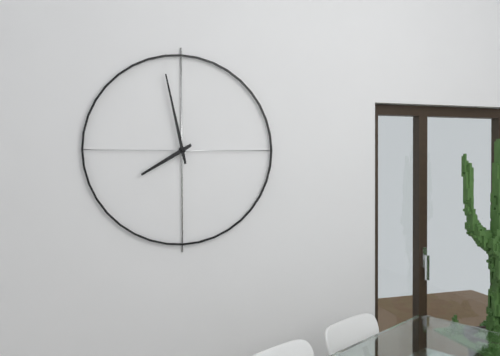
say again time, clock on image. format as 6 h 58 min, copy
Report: 7 h 58 min
